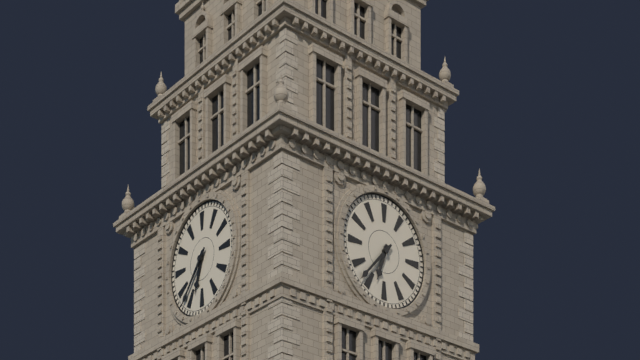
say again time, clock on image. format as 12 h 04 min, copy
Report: 6 h 37 min
